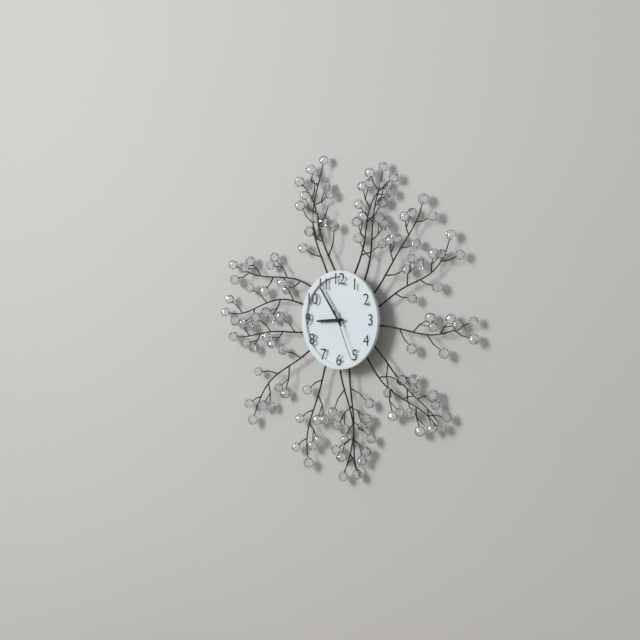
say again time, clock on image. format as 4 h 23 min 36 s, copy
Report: 8 h 54 min 26 s
